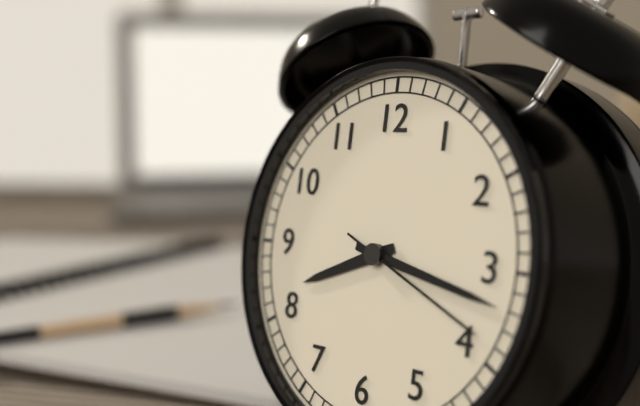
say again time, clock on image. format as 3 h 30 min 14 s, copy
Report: 8 h 17 min 19 s
